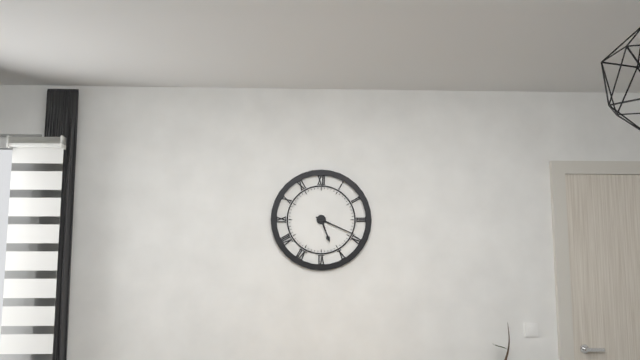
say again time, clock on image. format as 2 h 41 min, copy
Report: 5 h 19 min
